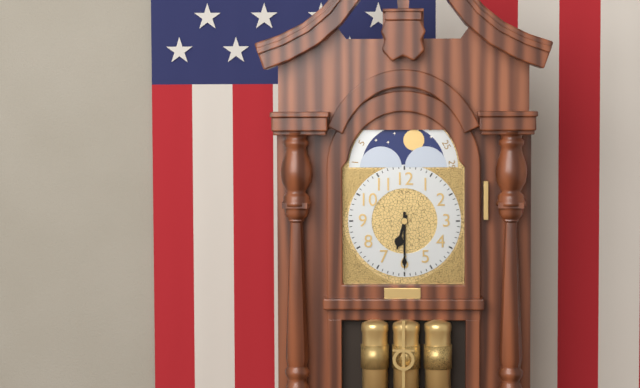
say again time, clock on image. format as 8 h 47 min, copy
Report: 6 h 30 min
